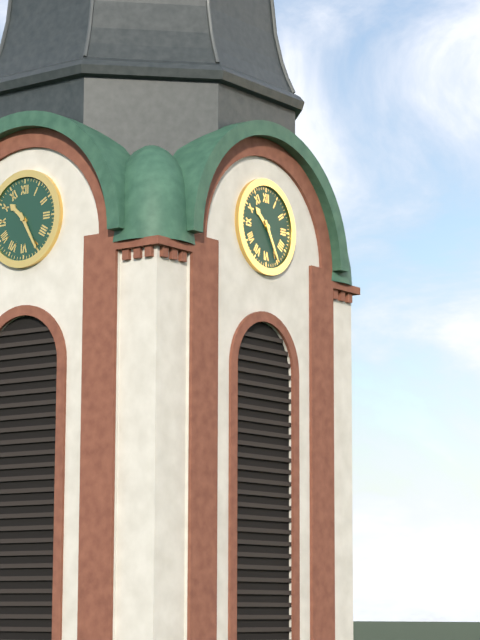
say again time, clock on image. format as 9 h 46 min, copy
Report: 10 h 25 min
